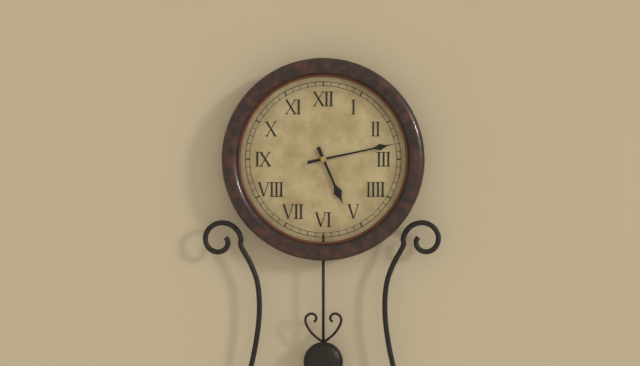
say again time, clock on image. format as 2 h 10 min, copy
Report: 5 h 13 min
